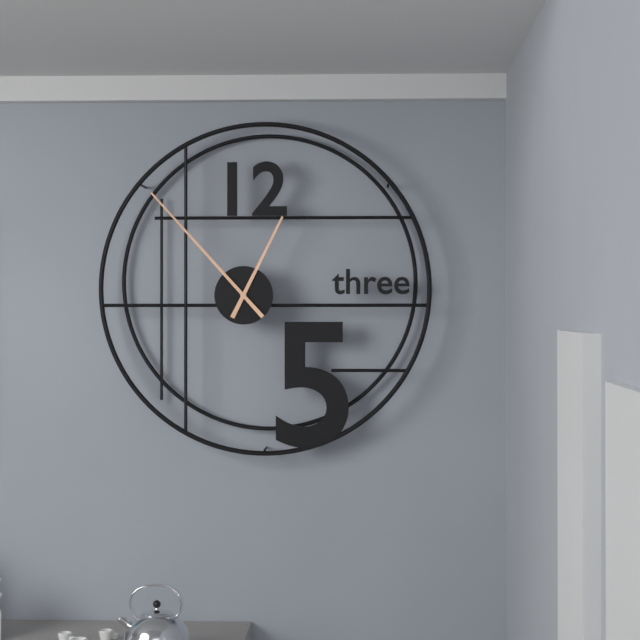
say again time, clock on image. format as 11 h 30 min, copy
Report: 12 h 53 min
